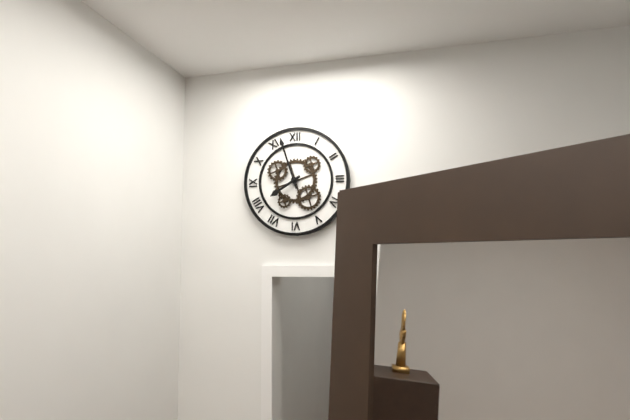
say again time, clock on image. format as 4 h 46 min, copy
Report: 7 h 57 min
